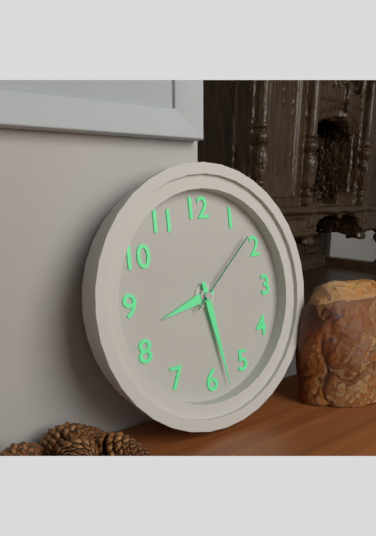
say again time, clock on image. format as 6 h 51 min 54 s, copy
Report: 8 h 28 min 08 s
